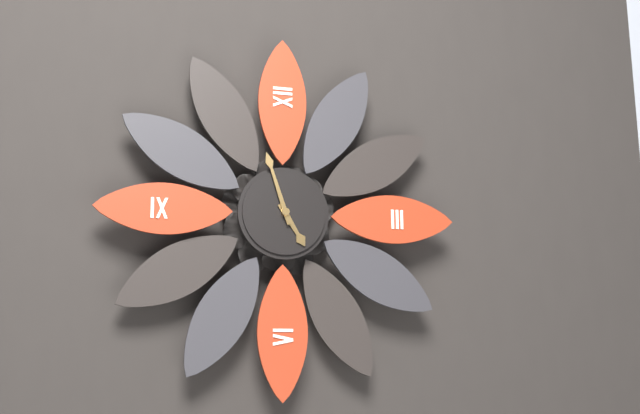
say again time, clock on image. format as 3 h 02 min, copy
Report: 4 h 57 min
